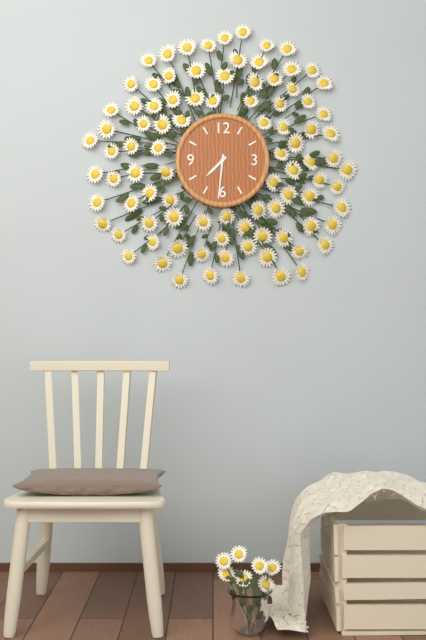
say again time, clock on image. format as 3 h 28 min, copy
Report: 7 h 31 min
